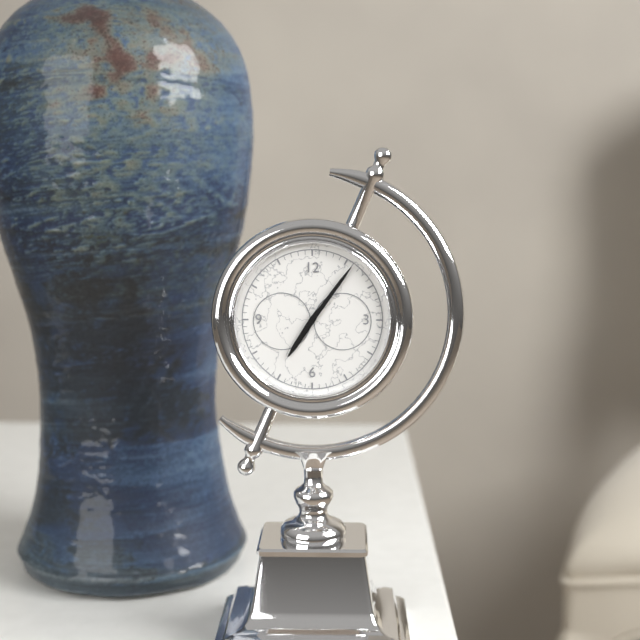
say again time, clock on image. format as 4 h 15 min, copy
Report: 7 h 06 min
